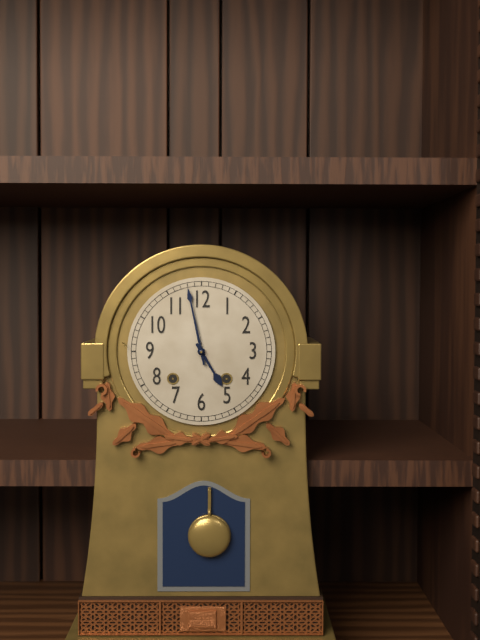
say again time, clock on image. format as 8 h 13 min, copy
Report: 4 h 58 min
